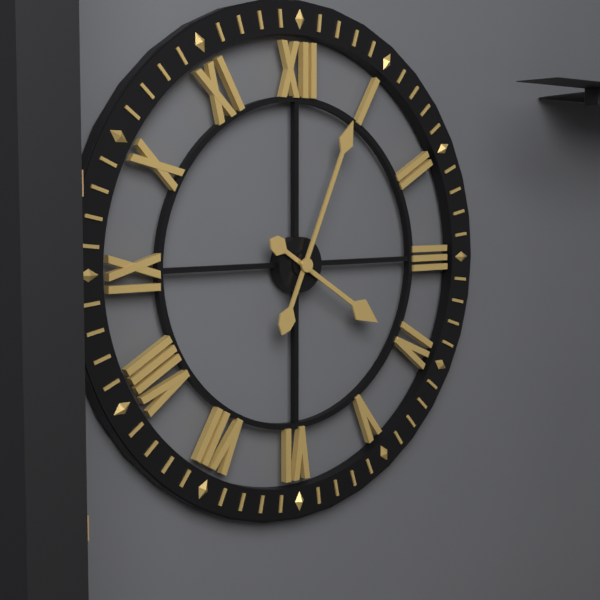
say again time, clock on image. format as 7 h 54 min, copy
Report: 4 h 04 min
